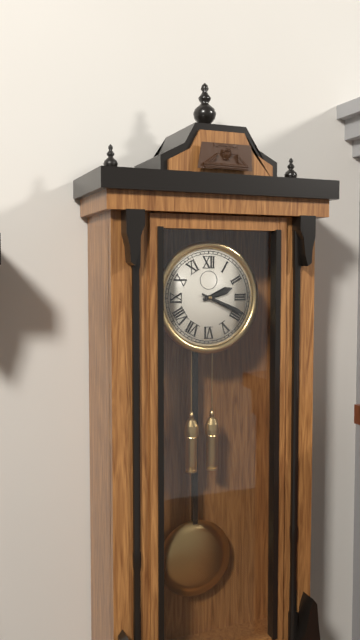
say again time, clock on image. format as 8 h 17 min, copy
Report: 2 h 19 min
